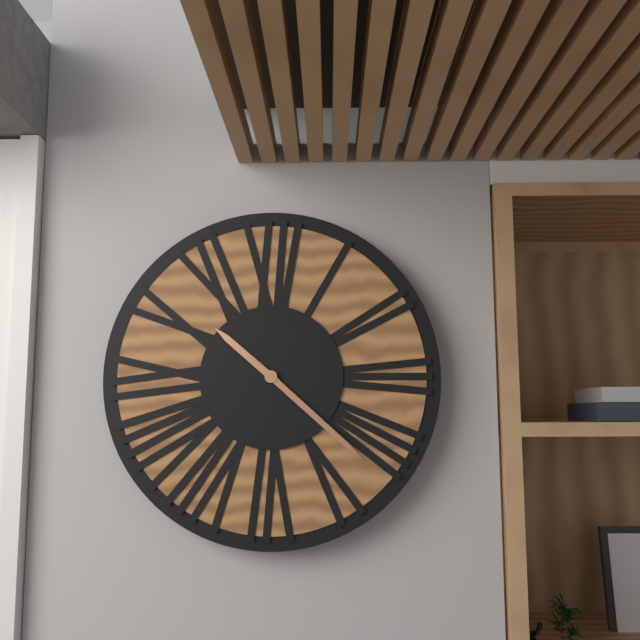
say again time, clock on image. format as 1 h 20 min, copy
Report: 10 h 22 min
